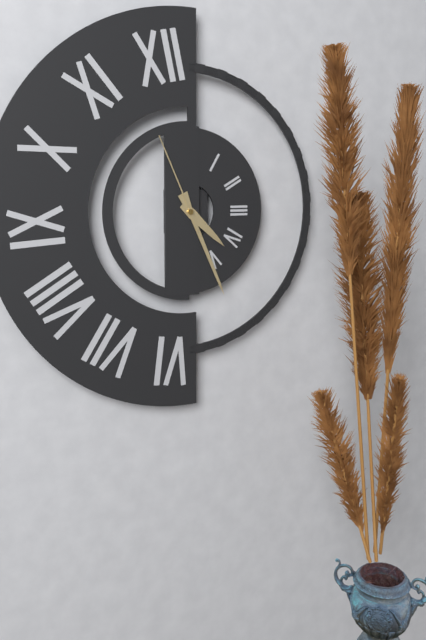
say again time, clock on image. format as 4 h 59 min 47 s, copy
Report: 4 h 26 min 56 s
